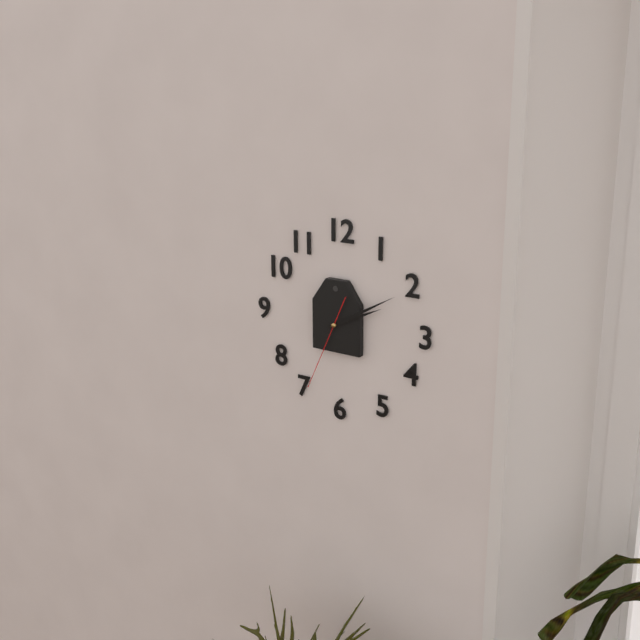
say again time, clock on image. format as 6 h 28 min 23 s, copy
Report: 2 h 10 min 34 s
